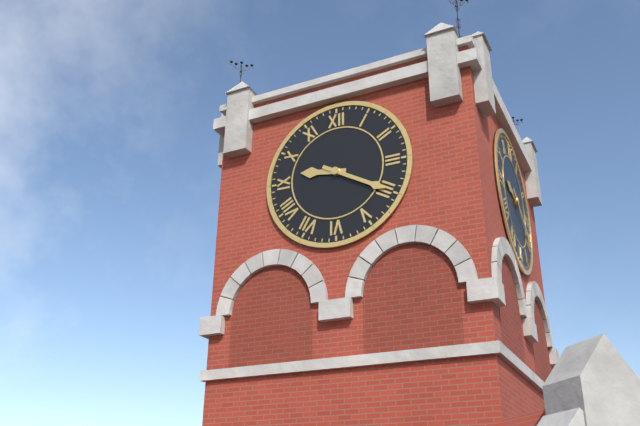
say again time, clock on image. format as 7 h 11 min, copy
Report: 9 h 20 min
